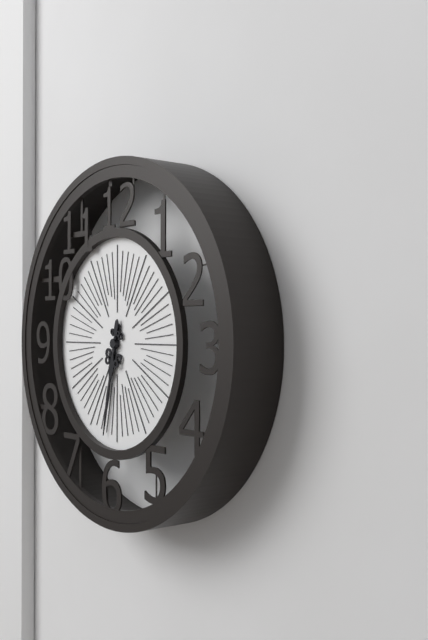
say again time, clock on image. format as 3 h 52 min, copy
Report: 6 h 32 min
